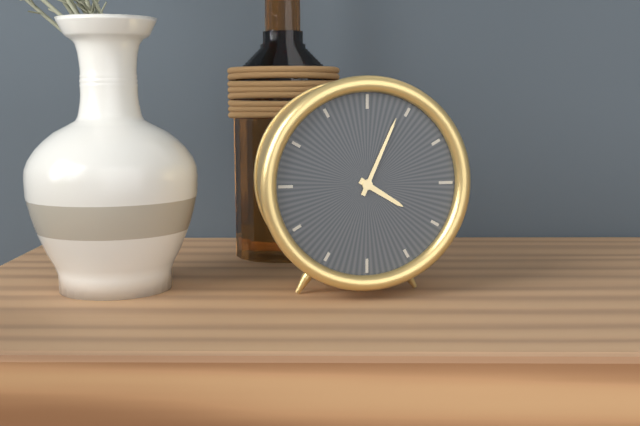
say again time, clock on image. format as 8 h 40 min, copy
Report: 4 h 04 min
